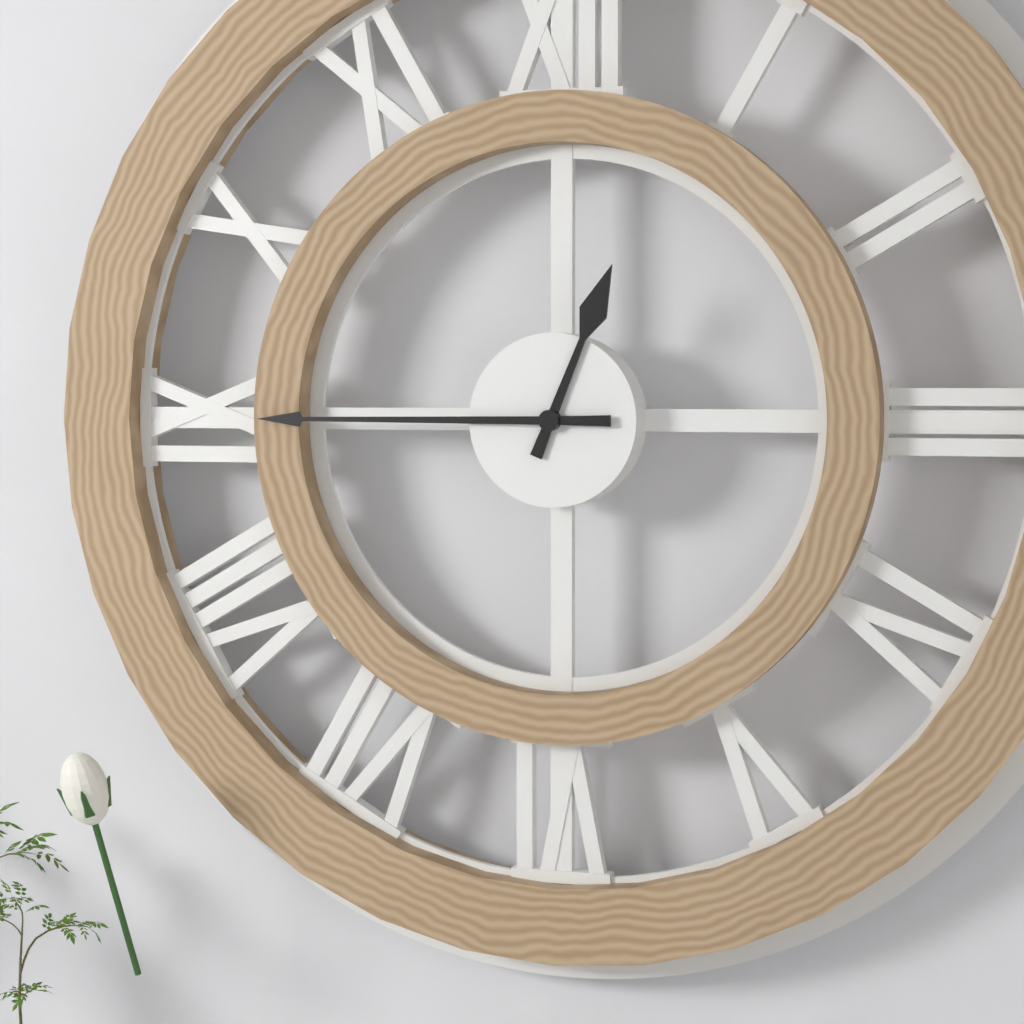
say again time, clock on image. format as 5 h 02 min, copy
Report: 12 h 45 min
